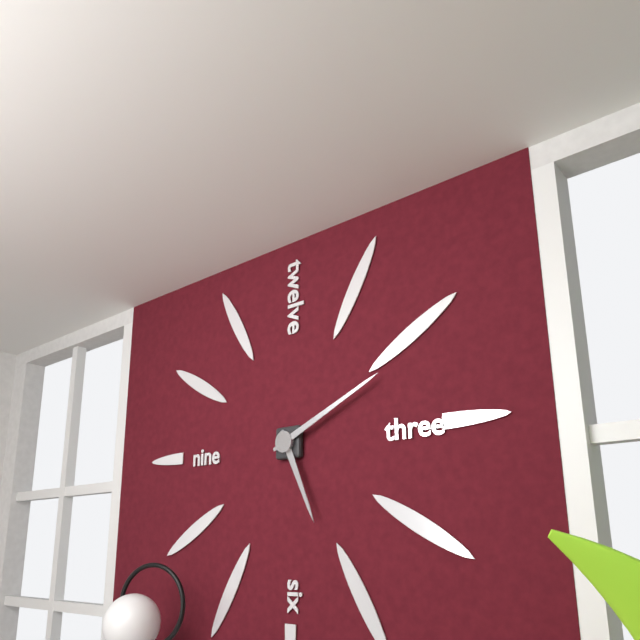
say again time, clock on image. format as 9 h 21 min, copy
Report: 5 h 11 min
